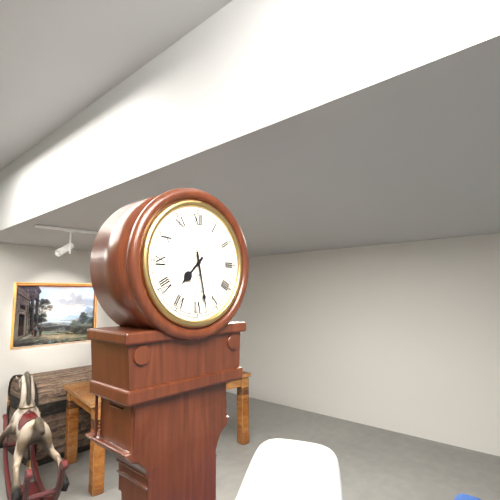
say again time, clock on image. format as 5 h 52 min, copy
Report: 7 h 28 min
